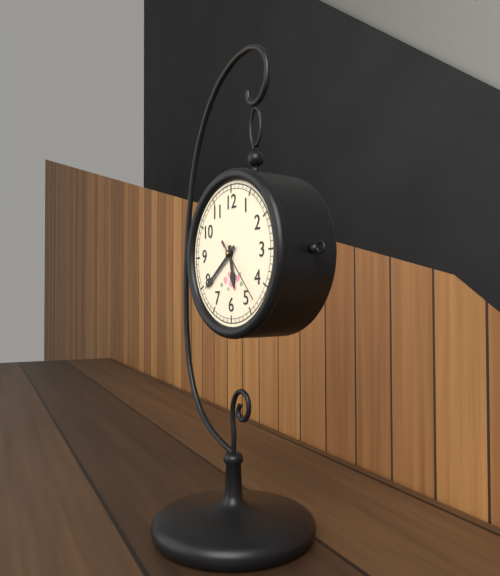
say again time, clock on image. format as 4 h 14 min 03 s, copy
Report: 5 h 39 min 23 s
